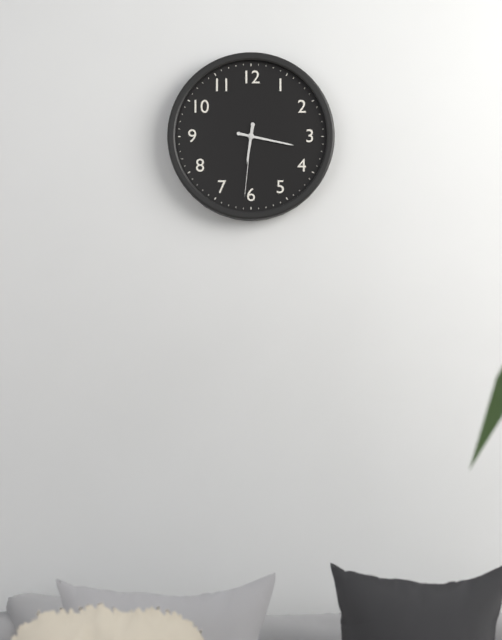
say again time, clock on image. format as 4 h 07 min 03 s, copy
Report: 6 h 17 min 31 s
